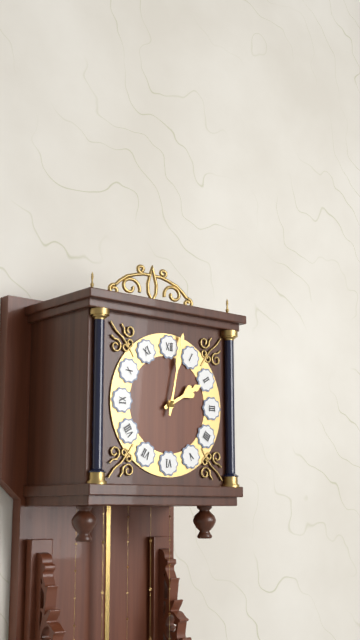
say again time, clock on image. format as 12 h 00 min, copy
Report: 2 h 02 min
